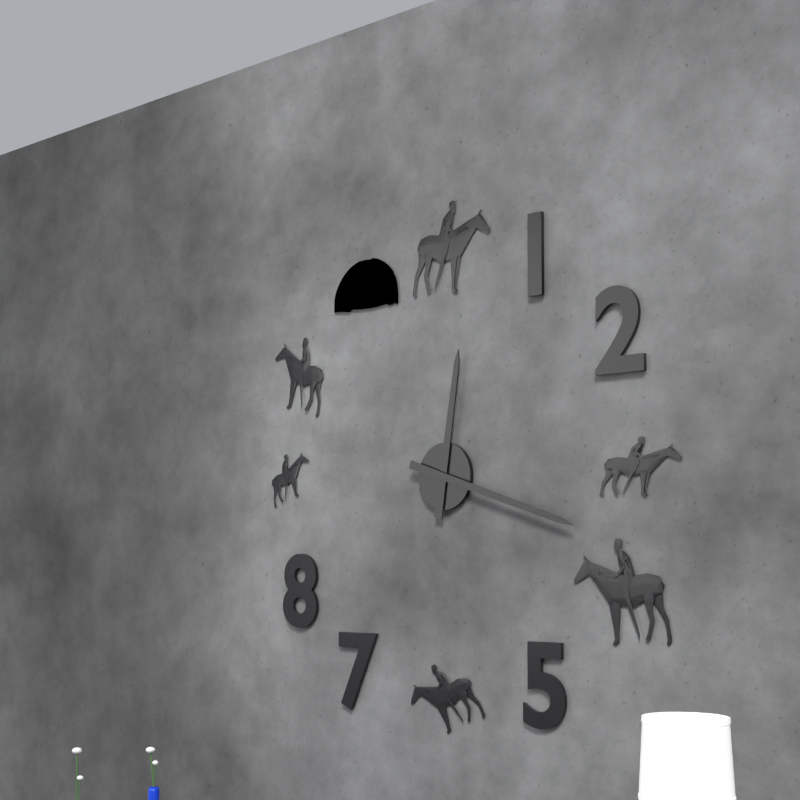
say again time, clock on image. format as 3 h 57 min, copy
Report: 12 h 18 min
